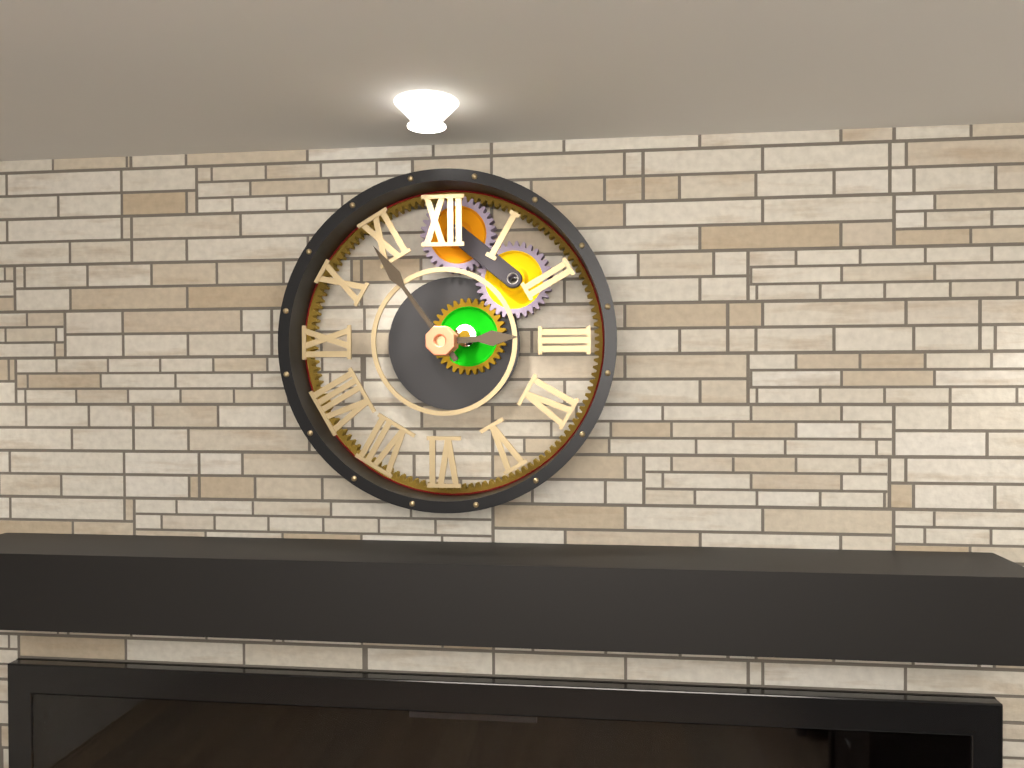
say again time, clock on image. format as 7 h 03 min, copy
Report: 2 h 54 min
